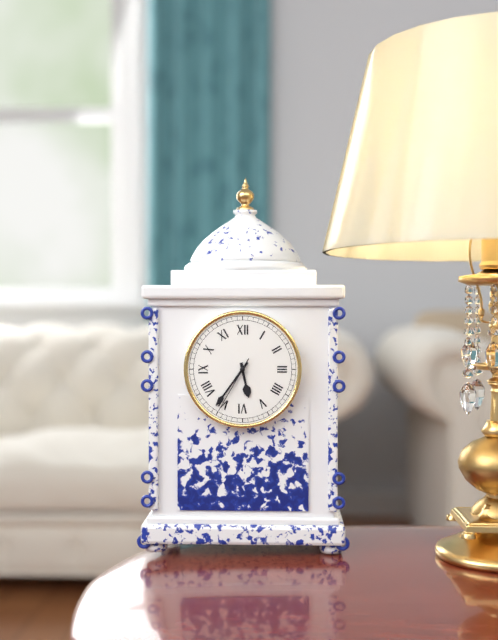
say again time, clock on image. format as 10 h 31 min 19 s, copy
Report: 5 h 36 min 35 s
